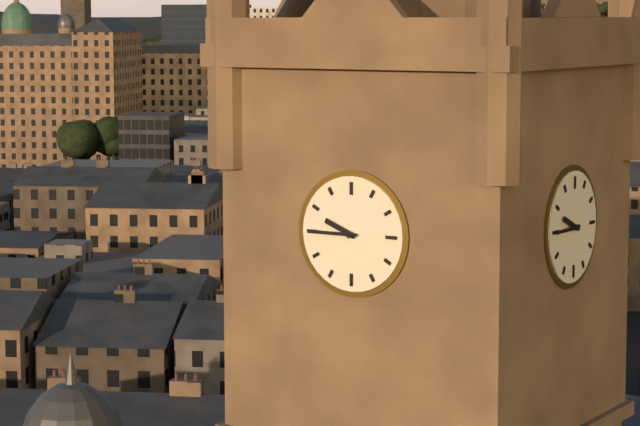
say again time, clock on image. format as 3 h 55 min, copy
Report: 9 h 45 min
